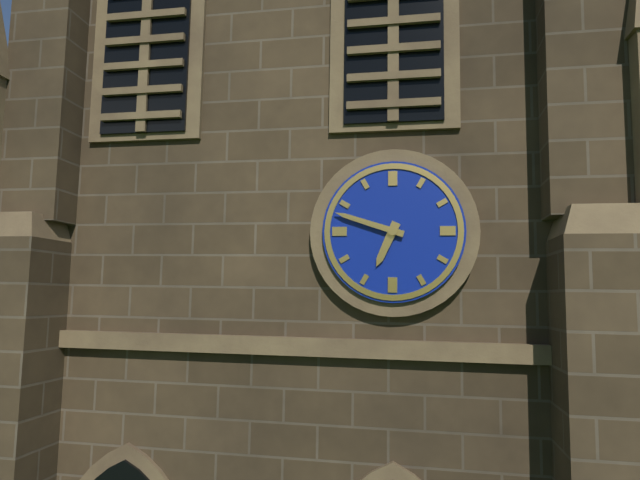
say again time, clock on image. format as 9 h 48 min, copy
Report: 6 h 48 min
